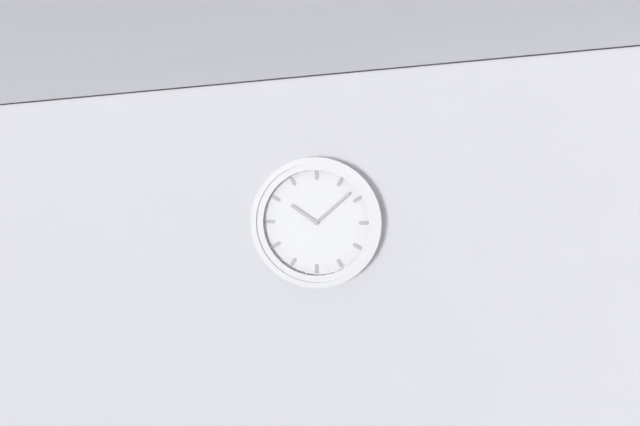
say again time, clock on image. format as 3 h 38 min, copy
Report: 10 h 08 min
